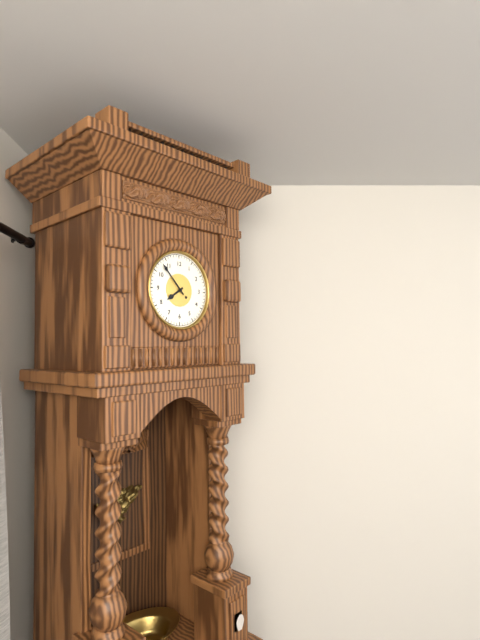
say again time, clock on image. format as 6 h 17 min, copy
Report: 7 h 53 min
